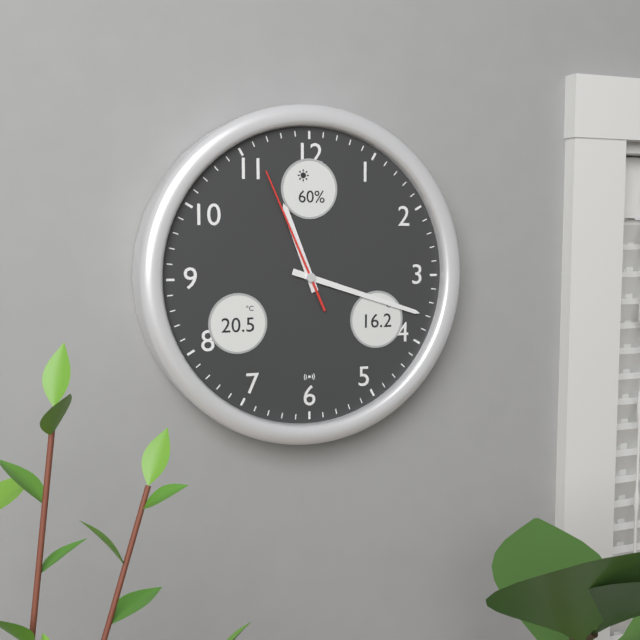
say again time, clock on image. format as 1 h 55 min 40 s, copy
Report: 11 h 18 min 56 s
